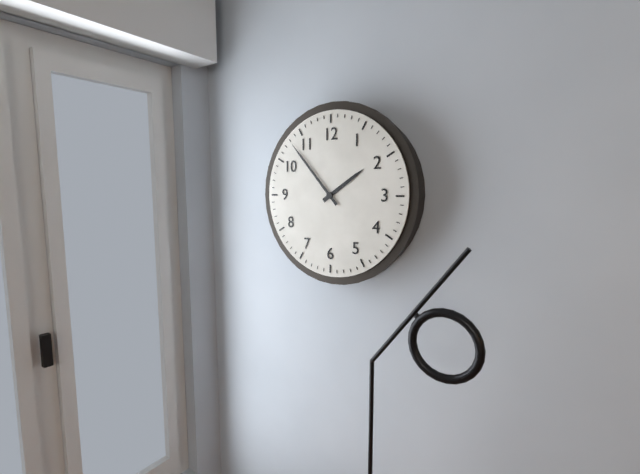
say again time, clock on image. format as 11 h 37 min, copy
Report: 1 h 53 min
